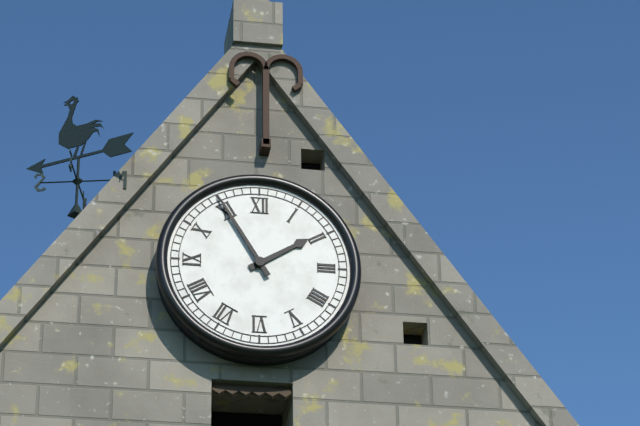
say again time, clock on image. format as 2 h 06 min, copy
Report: 1 h 55 min
